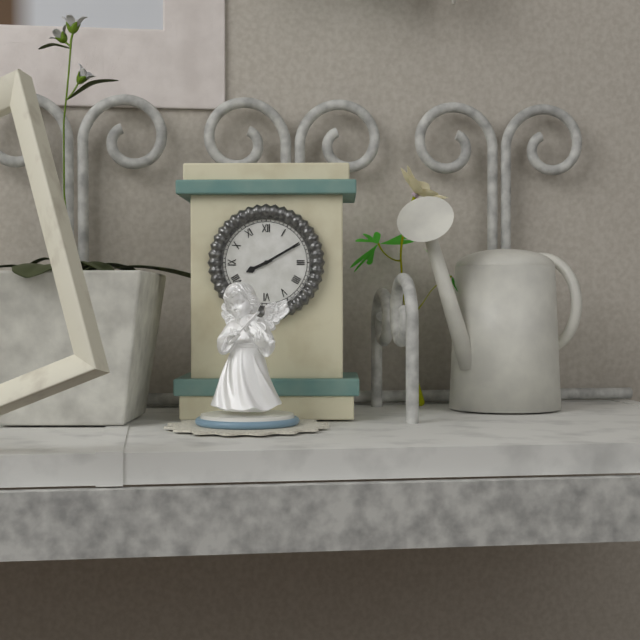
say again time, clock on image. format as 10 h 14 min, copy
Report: 8 h 10 min
